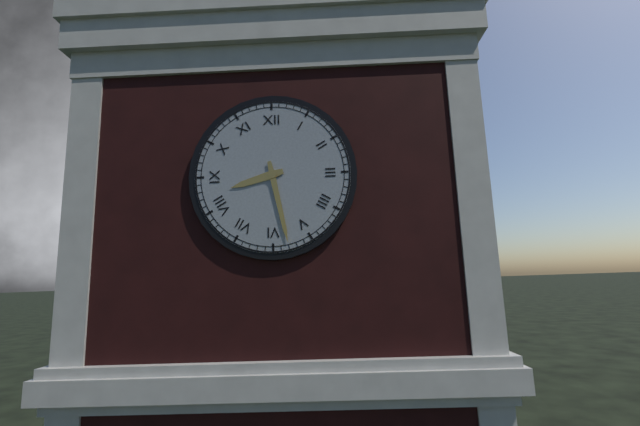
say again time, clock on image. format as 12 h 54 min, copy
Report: 8 h 28 min
